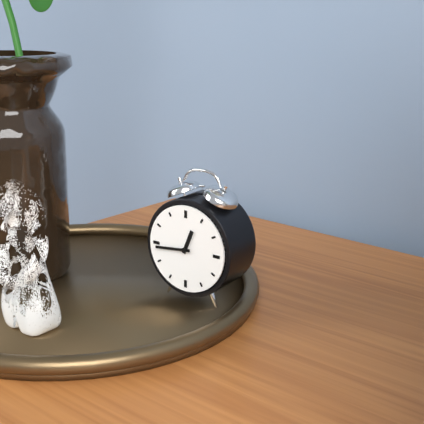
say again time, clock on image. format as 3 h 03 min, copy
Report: 12 h 44 min
